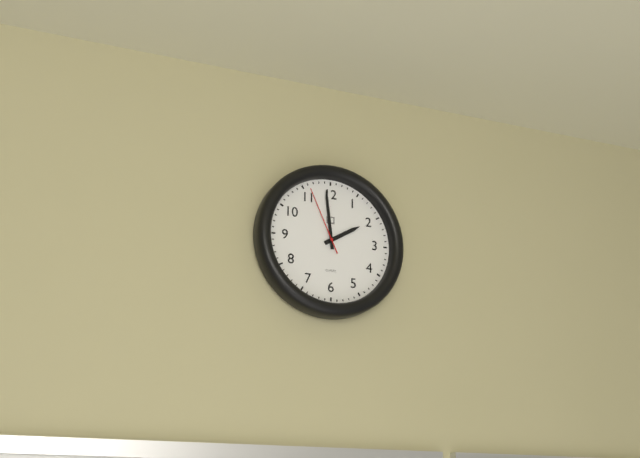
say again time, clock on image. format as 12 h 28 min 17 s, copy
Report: 1 h 59 min 56 s
